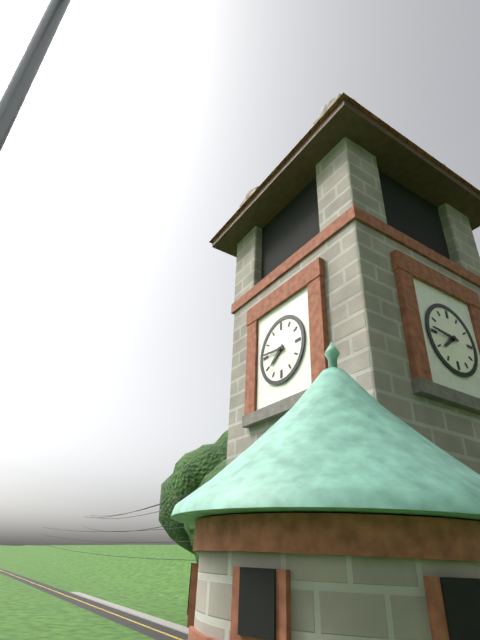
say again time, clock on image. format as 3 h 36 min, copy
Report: 7 h 46 min
